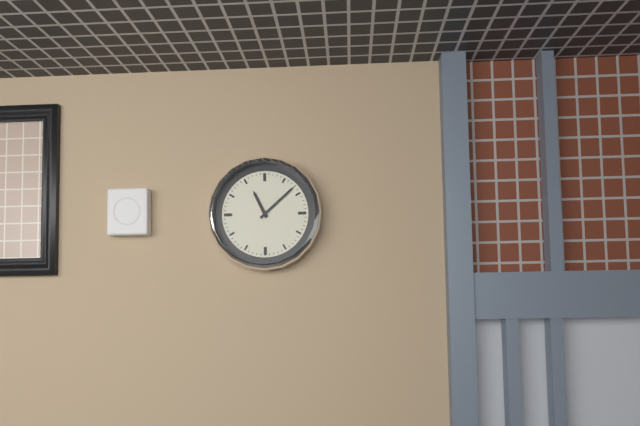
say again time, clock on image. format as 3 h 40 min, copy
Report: 11 h 08 min
